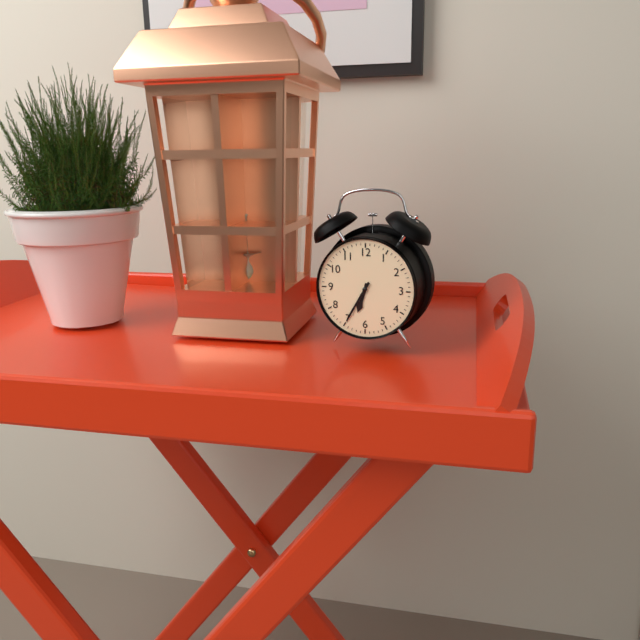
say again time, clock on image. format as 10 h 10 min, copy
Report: 6 h 35 min
